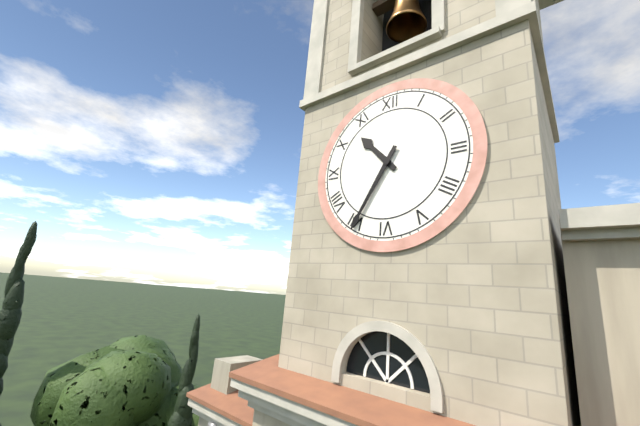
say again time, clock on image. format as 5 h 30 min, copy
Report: 10 h 35 min
